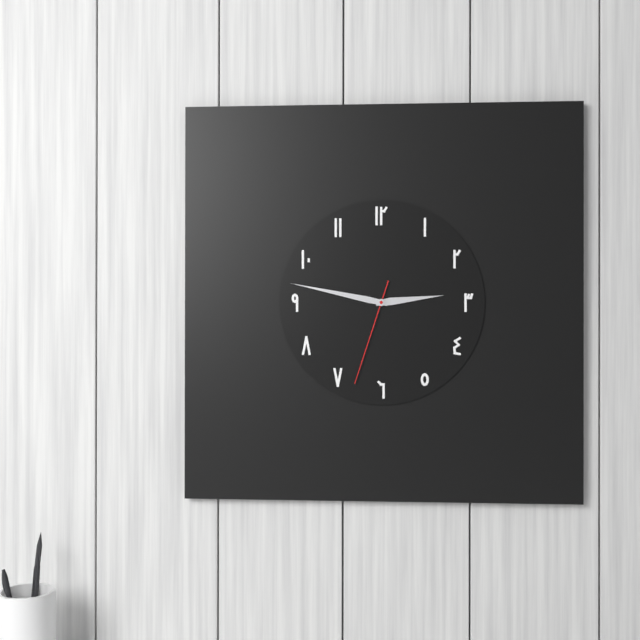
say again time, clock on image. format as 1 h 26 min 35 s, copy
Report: 2 h 47 min 33 s
